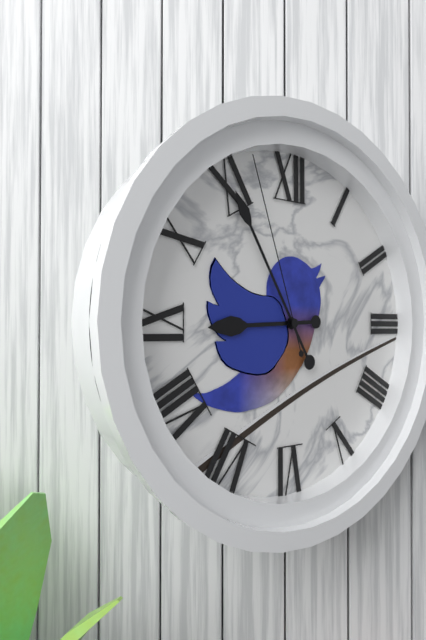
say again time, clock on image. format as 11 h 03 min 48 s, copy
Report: 8 h 55 min 57 s
